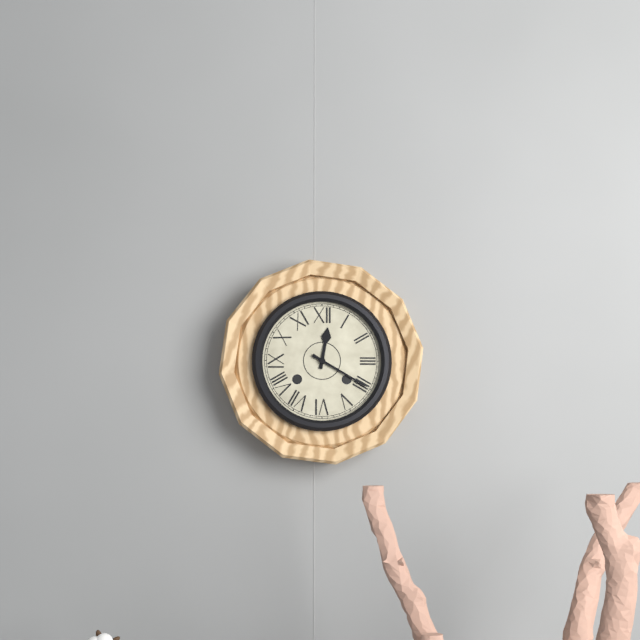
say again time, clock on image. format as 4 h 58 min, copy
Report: 12 h 20 min
